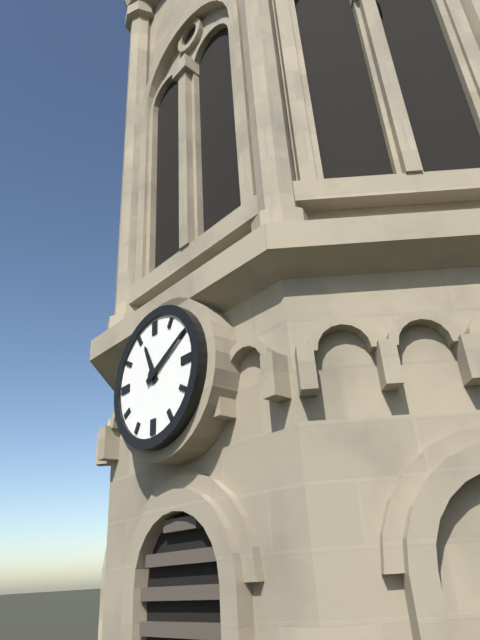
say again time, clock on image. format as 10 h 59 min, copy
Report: 11 h 10 min
